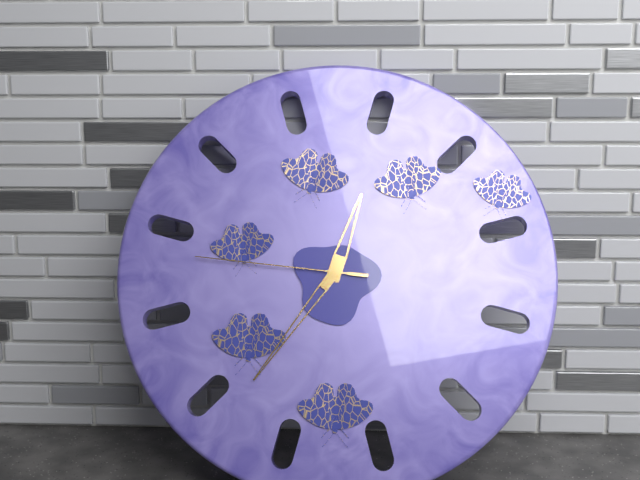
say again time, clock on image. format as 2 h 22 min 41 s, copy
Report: 12 h 36 min 46 s
